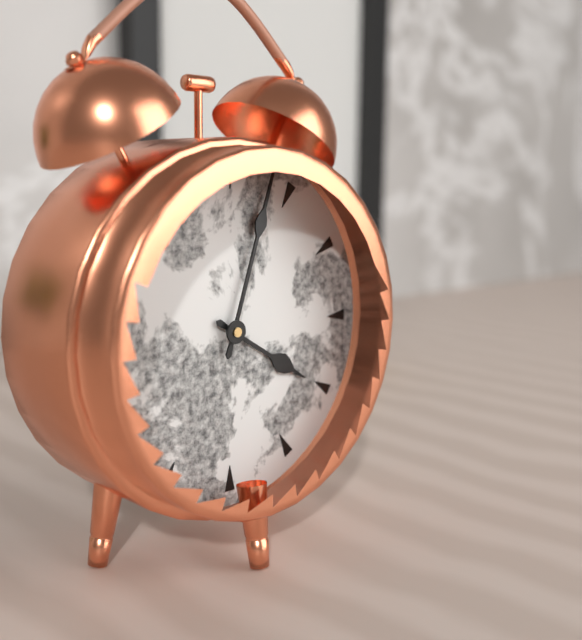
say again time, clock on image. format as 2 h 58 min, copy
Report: 4 h 03 min
